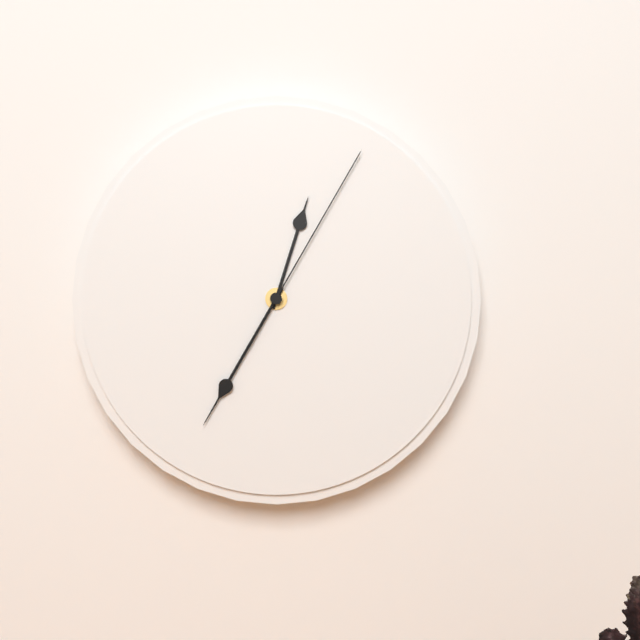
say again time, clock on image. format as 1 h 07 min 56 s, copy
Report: 12 h 35 min 05 s
